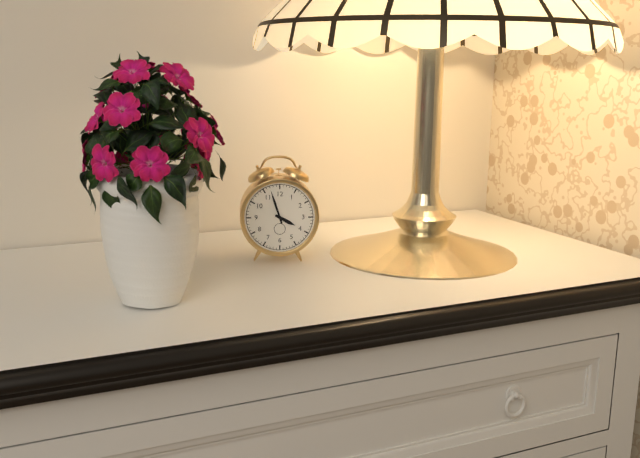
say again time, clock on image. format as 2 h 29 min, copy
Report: 3 h 57 min
